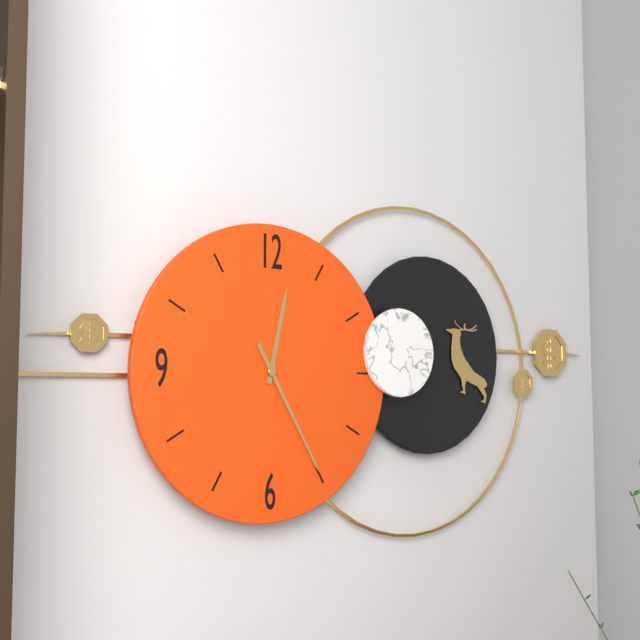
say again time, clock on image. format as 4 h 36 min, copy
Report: 12 h 25 min
